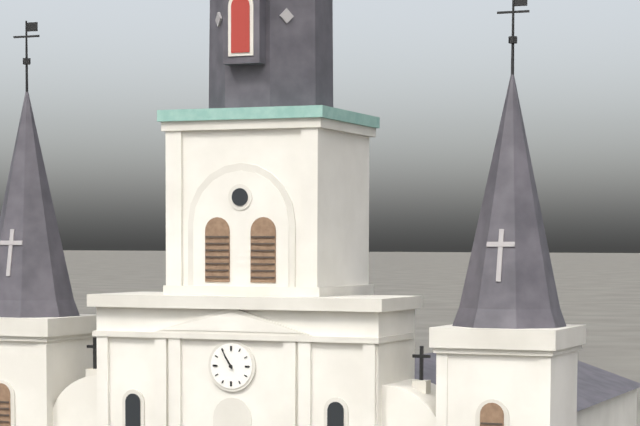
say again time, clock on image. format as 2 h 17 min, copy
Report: 10 h 55 min
